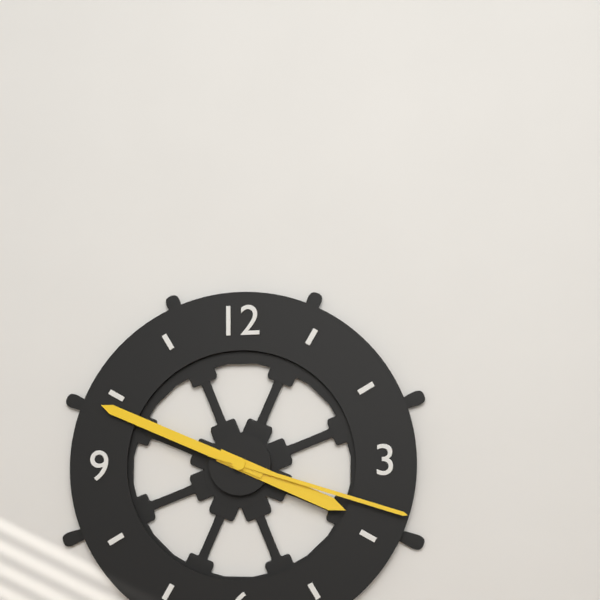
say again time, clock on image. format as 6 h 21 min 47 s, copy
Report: 3 h 49 min 18 s
